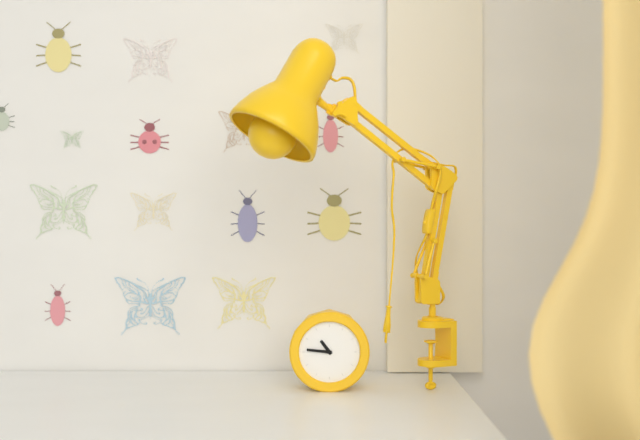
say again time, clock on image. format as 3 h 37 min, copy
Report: 10 h 46 min
